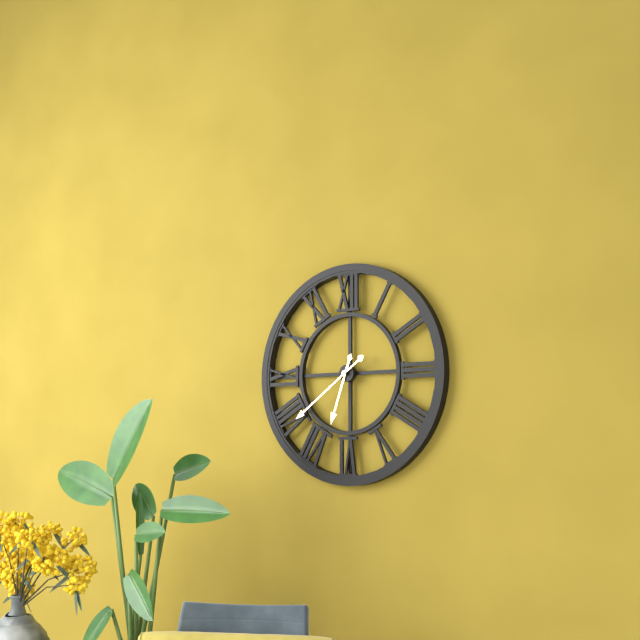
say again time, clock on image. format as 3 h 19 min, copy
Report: 6 h 39 min
